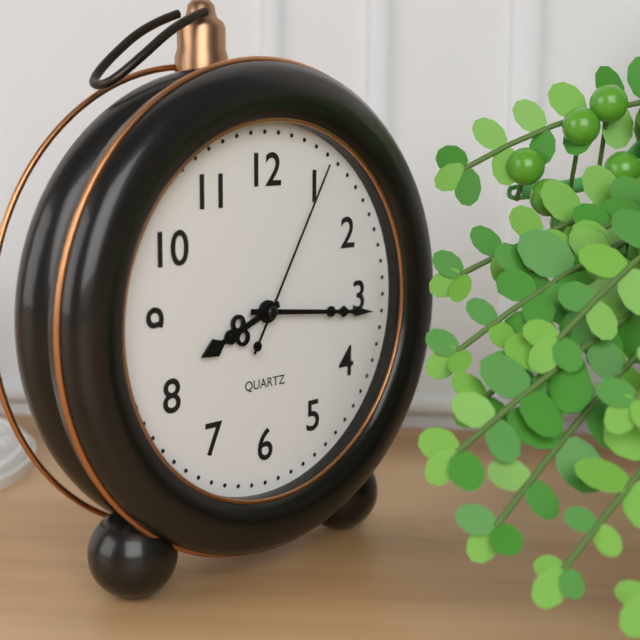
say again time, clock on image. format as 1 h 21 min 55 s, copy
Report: 8 h 16 min 05 s
